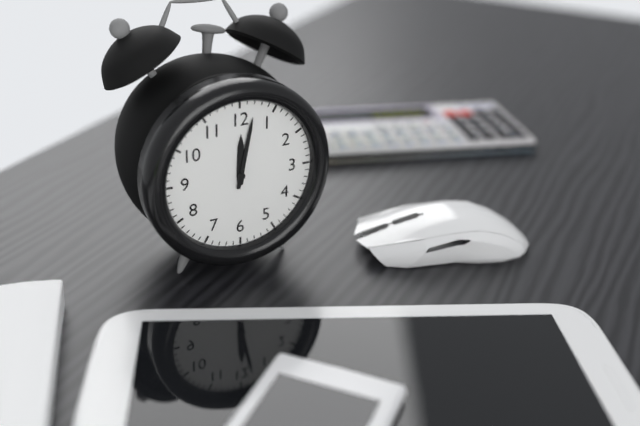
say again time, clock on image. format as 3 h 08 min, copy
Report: 12 h 02 min
